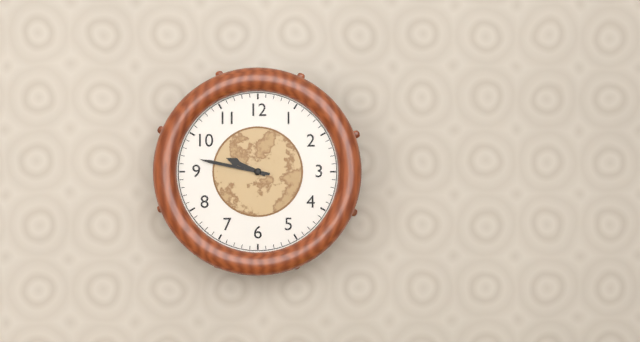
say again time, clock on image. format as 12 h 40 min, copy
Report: 9 h 47 min
